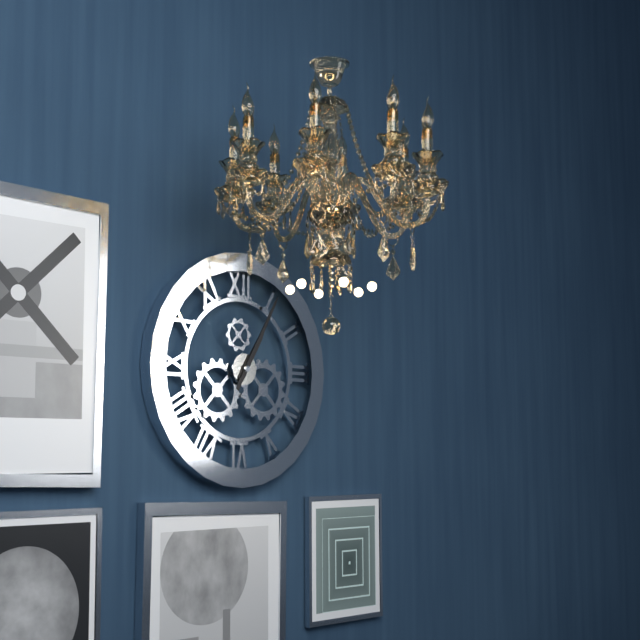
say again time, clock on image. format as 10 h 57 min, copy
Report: 1 h 05 min
